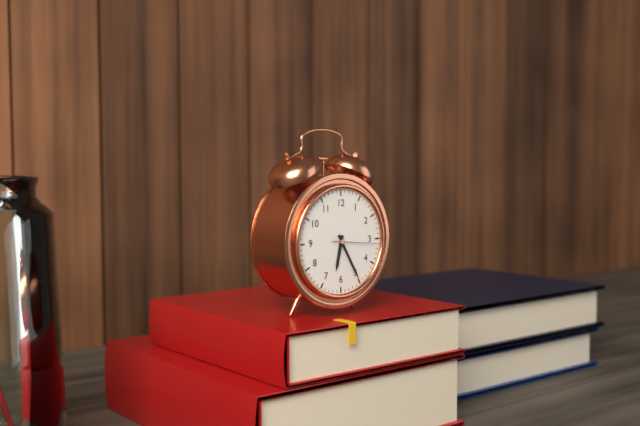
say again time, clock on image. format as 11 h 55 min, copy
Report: 6 h 25 min
